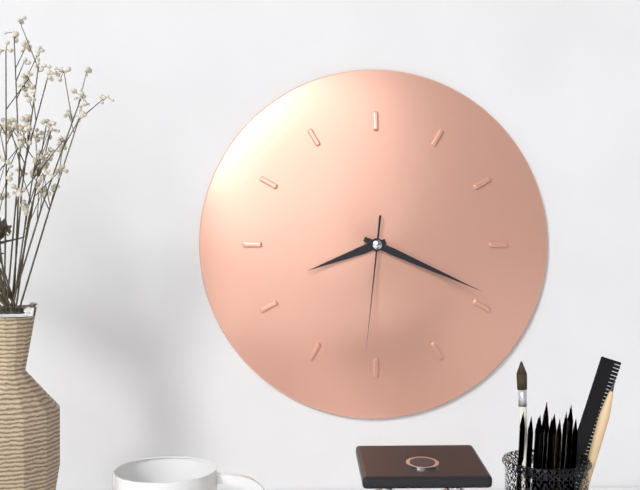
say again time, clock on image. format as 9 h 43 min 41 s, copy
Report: 8 h 19 min 31 s
